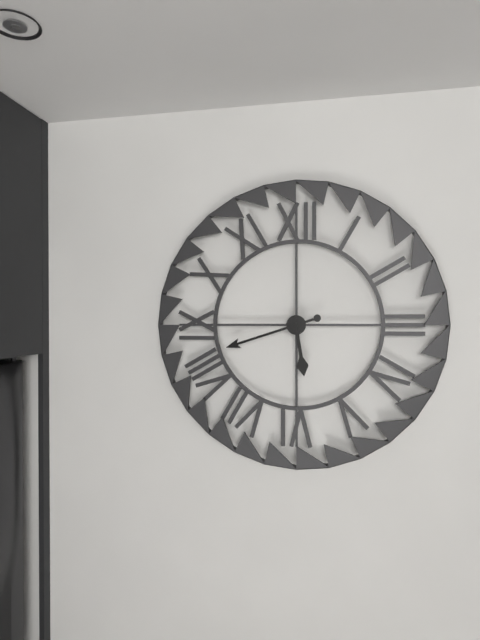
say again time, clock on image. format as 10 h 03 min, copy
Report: 5 h 42 min
